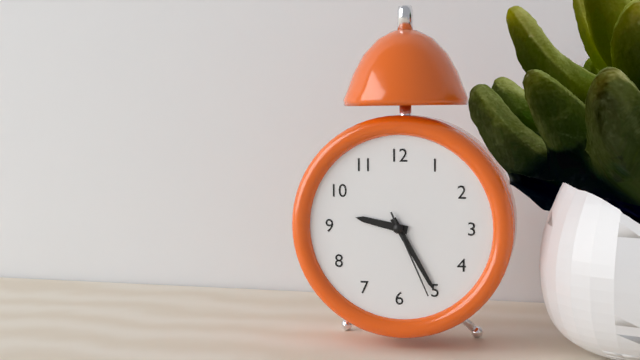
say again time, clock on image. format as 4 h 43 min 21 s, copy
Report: 9 h 25 min 26 s
